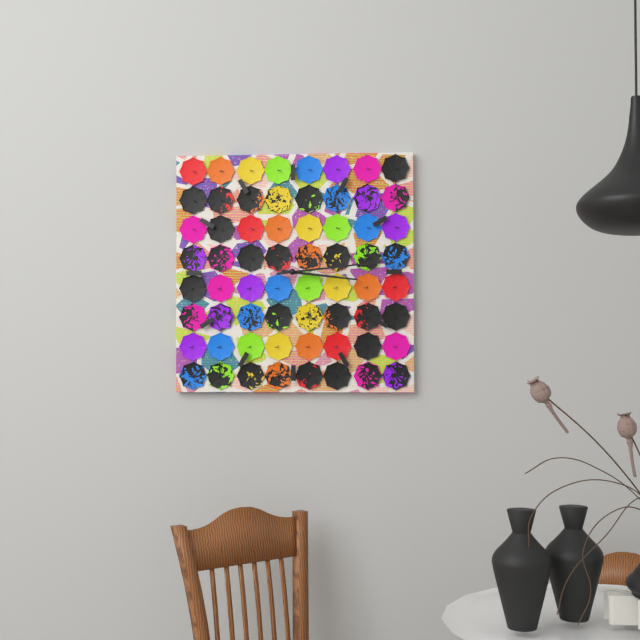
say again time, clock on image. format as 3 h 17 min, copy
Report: 3 h 14 min
